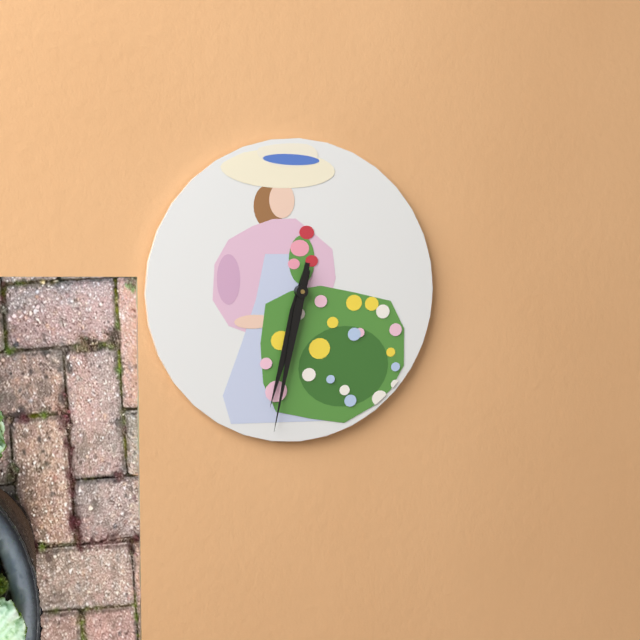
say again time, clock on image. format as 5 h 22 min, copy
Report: 6 h 32 min
